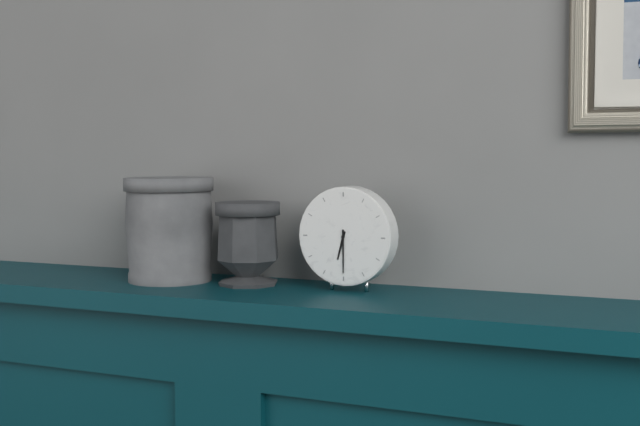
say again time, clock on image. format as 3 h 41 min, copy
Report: 6 h 30 min
